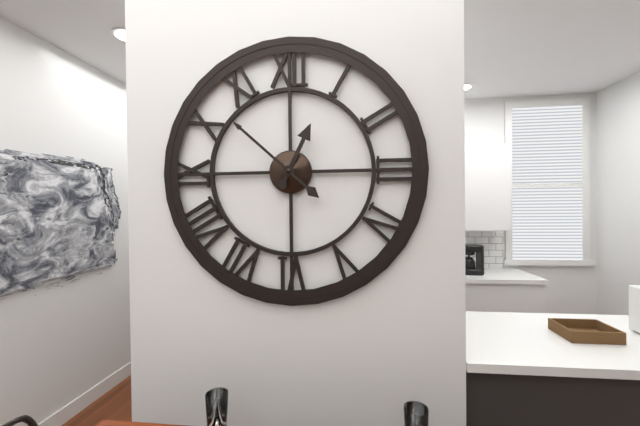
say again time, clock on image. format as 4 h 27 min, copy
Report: 12 h 52 min
